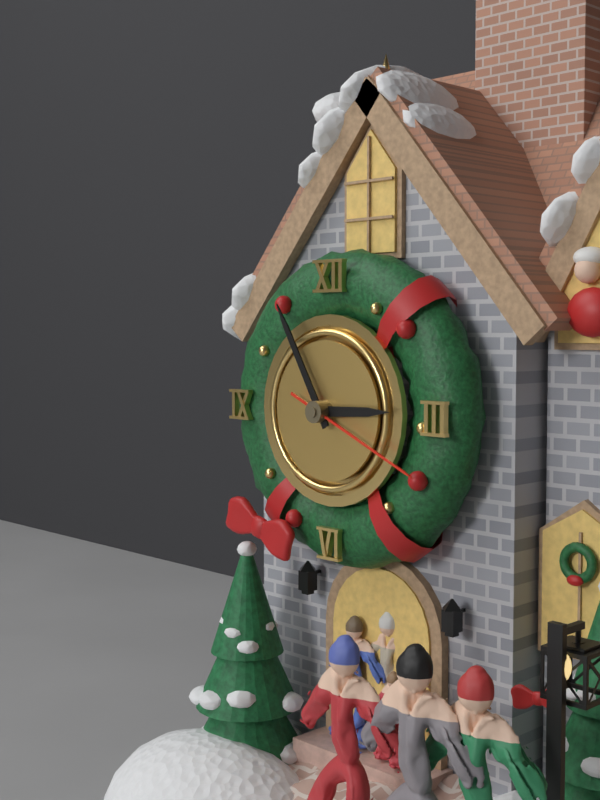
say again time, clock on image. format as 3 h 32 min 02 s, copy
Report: 2 h 55 min 19 s
